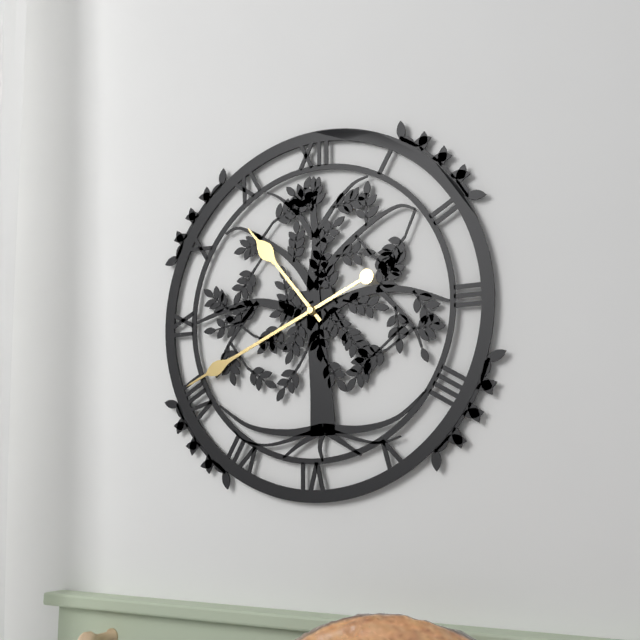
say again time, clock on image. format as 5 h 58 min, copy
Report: 10 h 41 min
